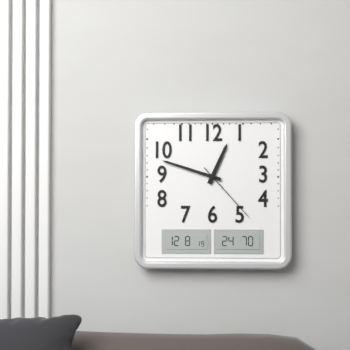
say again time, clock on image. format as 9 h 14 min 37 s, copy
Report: 12 h 48 min 23 s
